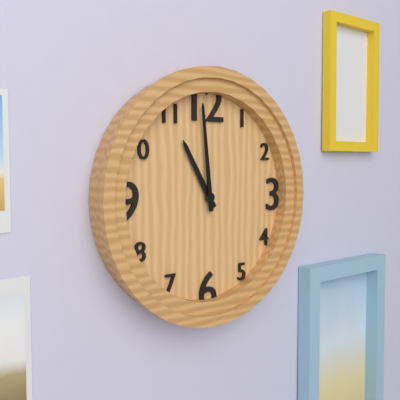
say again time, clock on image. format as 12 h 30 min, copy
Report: 10 h 59 min
